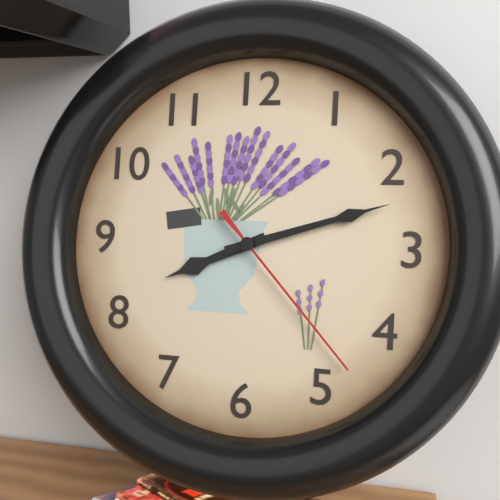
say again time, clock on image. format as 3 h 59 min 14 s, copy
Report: 8 h 12 min 23 s
